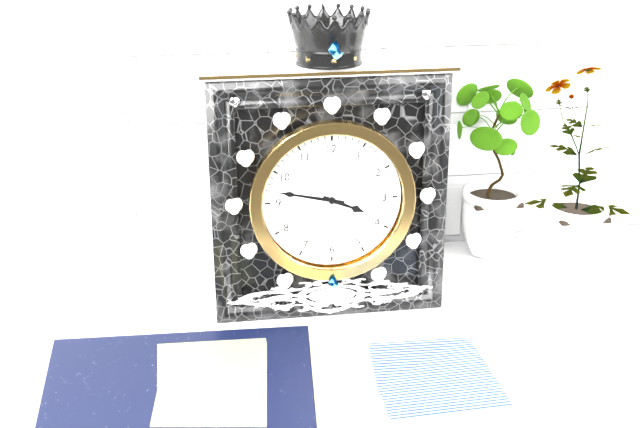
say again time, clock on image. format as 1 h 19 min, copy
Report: 3 h 47 min
